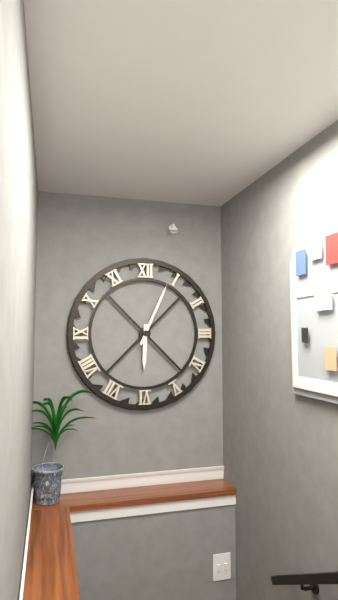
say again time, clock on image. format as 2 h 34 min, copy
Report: 6 h 04 min
